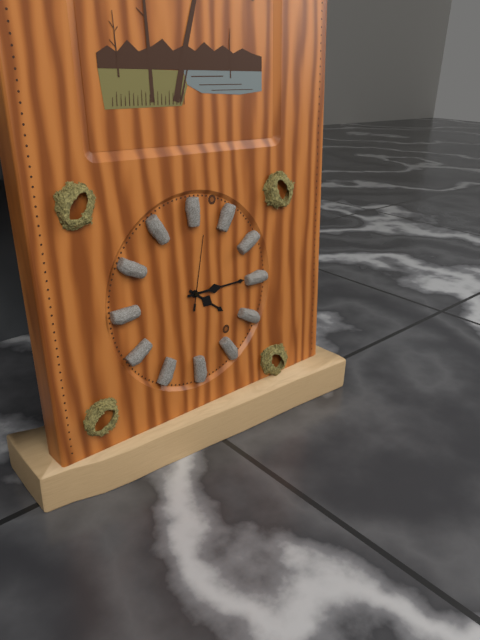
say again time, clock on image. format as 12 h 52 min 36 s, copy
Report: 4 h 15 min 02 s
